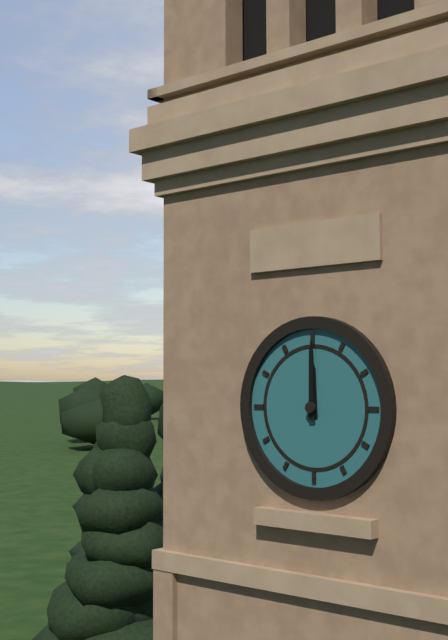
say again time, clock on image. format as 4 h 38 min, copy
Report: 12 h 00 min
